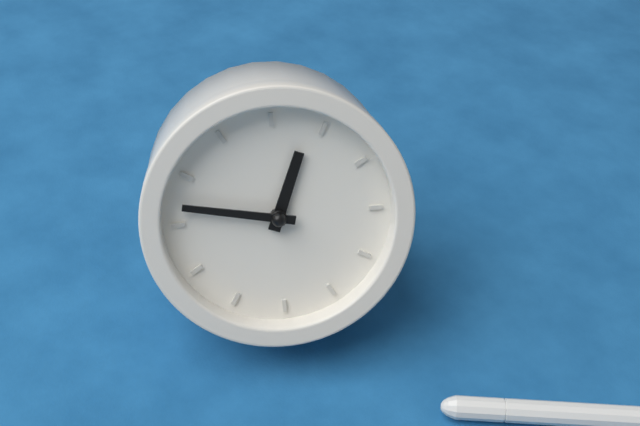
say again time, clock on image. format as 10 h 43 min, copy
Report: 11 h 42 min
